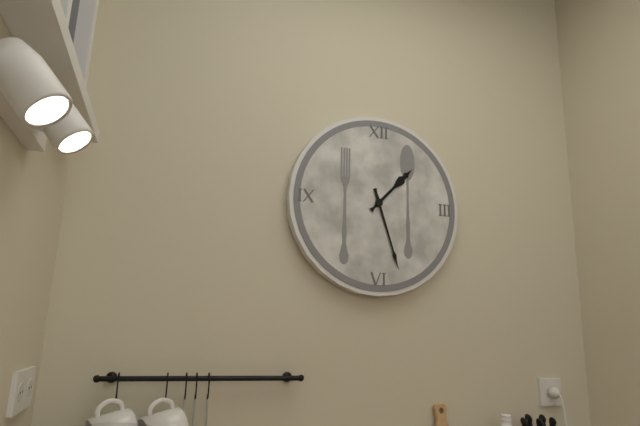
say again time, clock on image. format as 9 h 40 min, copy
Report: 1 h 27 min
